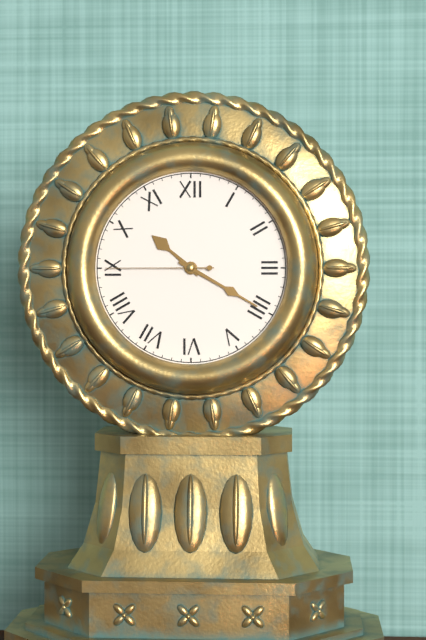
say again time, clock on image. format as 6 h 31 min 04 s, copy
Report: 10 h 20 min 45 s
